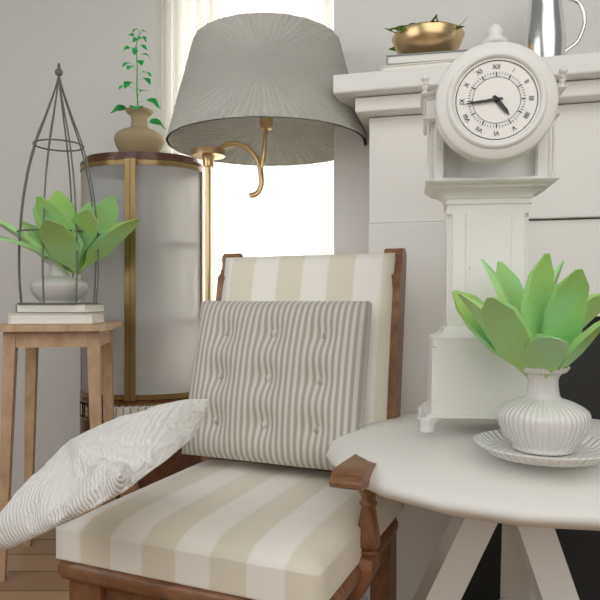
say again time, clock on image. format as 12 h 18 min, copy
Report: 4 h 44 min
